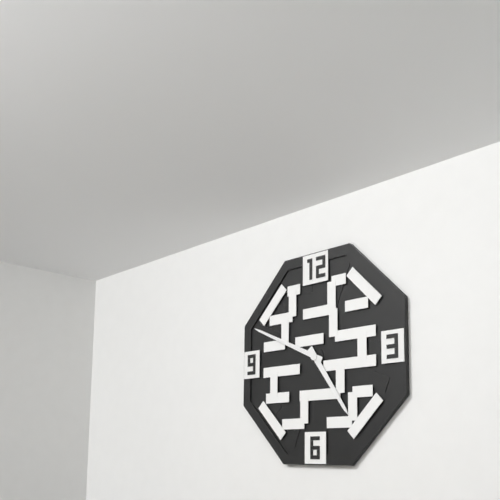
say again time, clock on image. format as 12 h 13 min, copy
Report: 4 h 49 min
